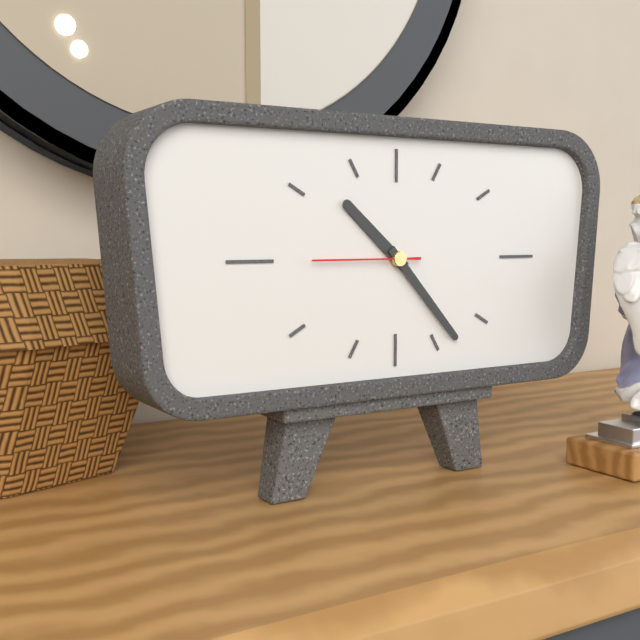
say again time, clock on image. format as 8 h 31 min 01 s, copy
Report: 10 h 23 min 45 s
